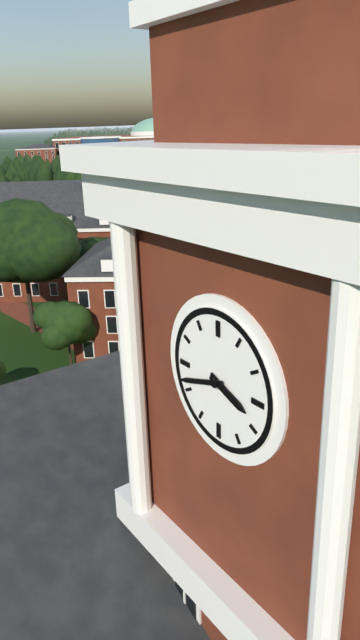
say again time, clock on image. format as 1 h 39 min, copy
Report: 3 h 42 min
